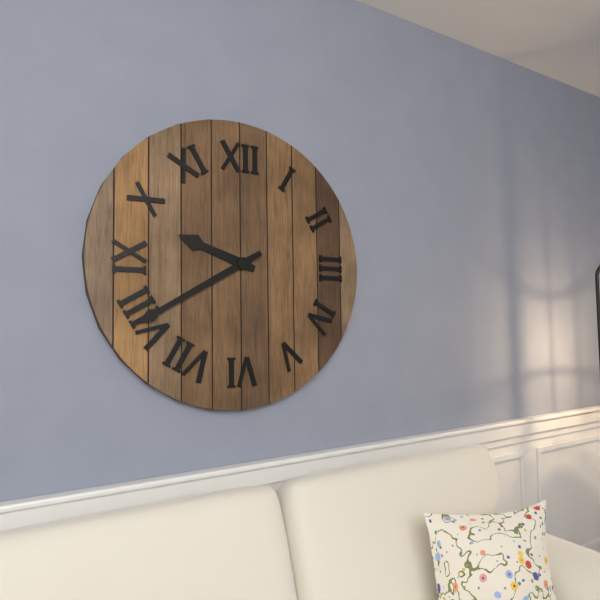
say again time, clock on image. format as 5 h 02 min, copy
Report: 9 h 40 min
